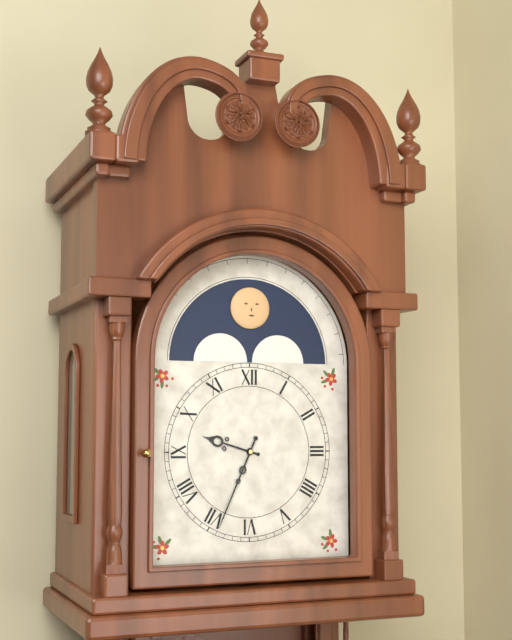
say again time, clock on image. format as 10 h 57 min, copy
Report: 9 h 34 min
